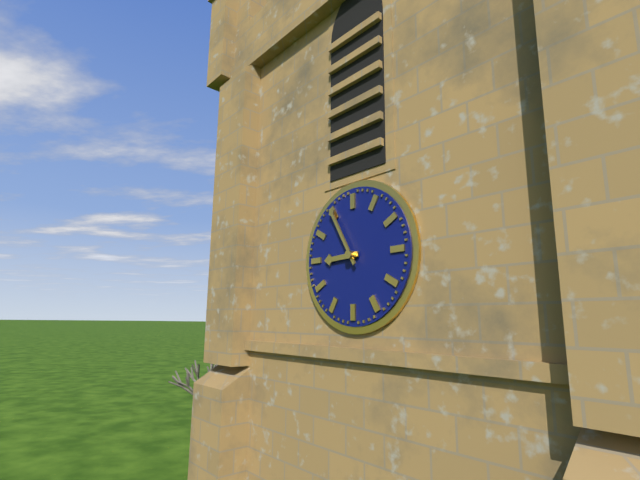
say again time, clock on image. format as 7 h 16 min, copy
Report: 8 h 55 min
